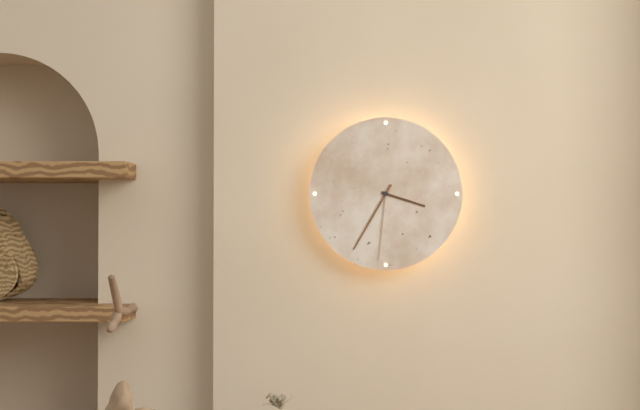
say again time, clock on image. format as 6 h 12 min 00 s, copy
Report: 3 h 35 min 31 s
